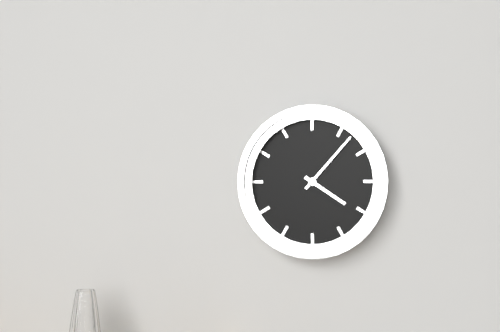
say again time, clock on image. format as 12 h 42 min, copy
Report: 4 h 07 min
